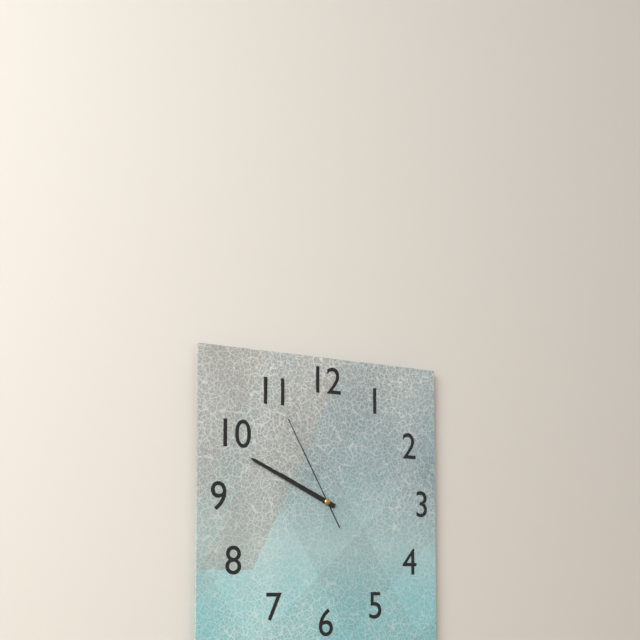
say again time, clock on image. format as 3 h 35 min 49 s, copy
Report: 9 h 49 min 55 s
